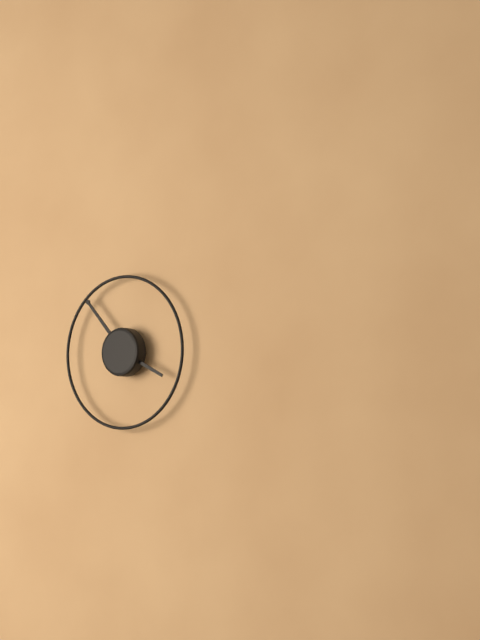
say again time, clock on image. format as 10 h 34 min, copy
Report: 3 h 53 min
